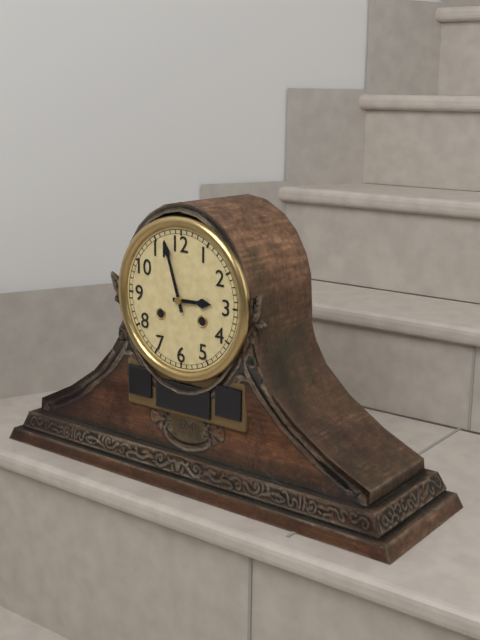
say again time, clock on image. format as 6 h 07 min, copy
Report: 2 h 57 min
